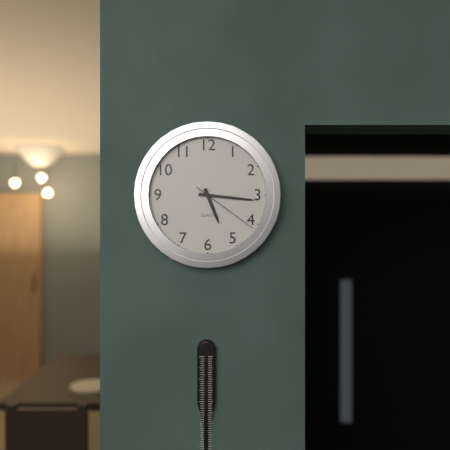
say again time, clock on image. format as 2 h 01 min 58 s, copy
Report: 5 h 16 min 21 s
